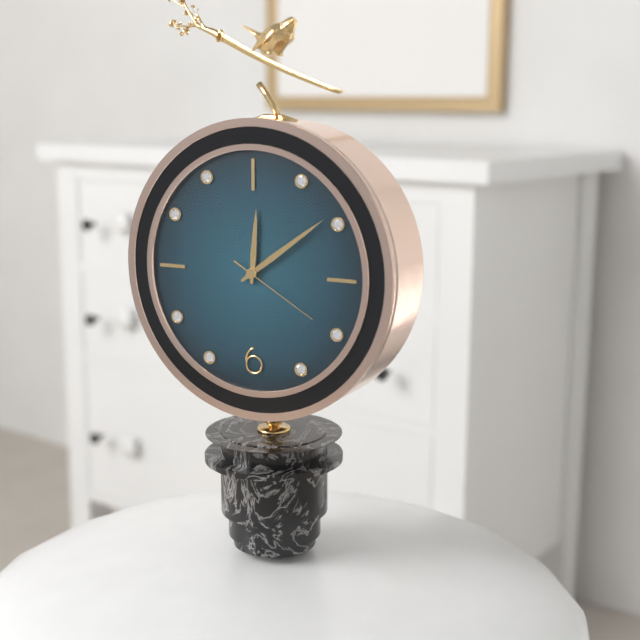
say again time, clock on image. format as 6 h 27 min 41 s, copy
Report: 12 h 09 min 20 s
